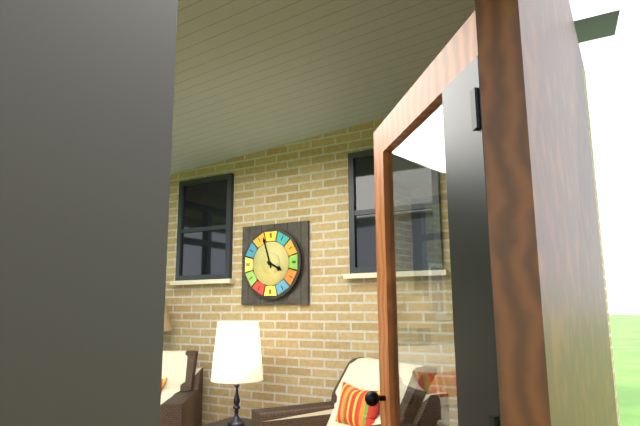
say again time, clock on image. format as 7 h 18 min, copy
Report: 3 h 57 min
